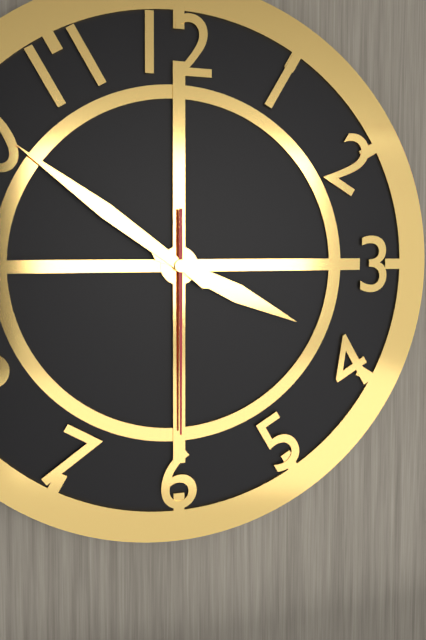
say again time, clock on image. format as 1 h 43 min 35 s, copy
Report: 3 h 51 min 30 s
